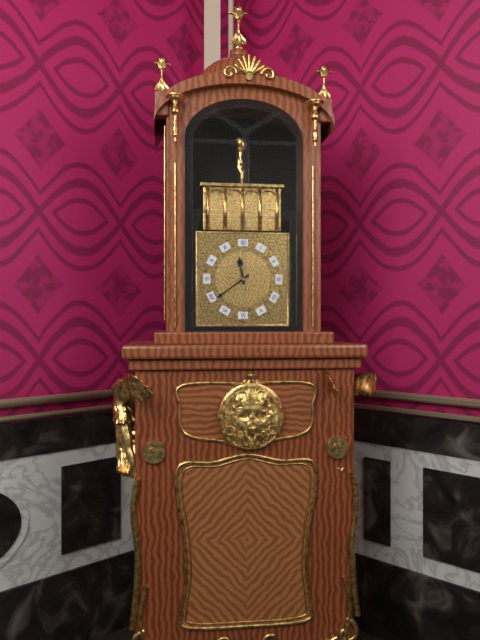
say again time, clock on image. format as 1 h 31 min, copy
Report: 11 h 39 min
